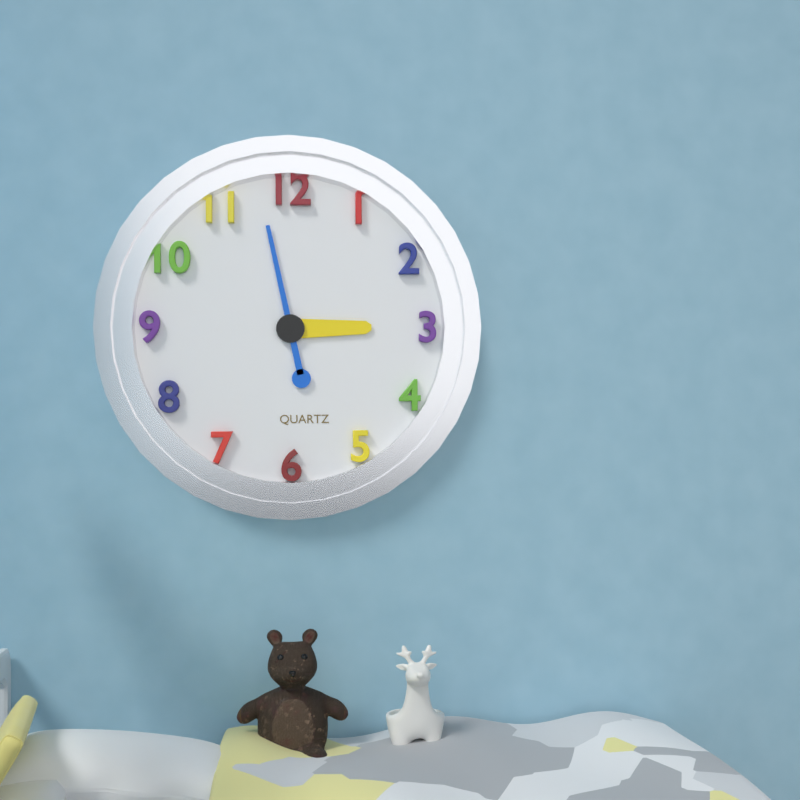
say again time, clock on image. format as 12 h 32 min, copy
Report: 2 h 58 min
